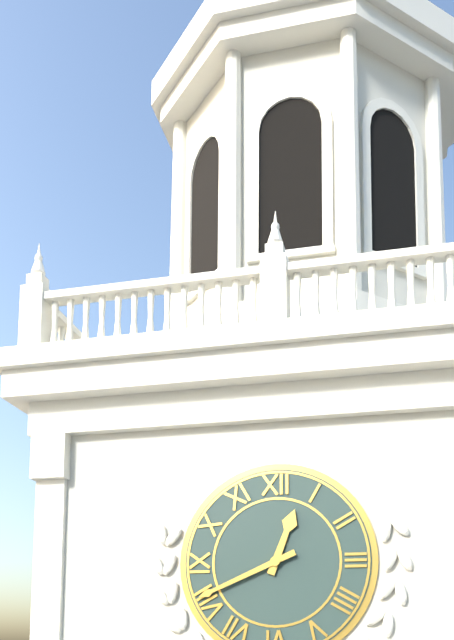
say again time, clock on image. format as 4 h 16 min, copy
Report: 12 h 41 min
